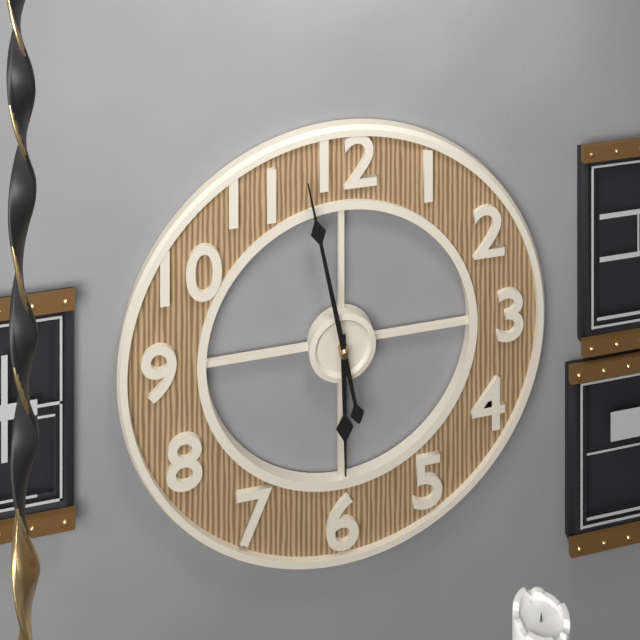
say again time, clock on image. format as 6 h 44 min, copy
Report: 5 h 58 min
